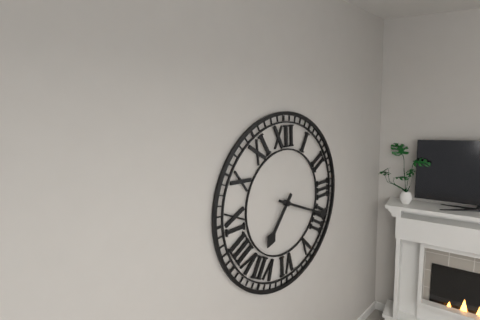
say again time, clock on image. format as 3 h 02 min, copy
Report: 7 h 19 min
